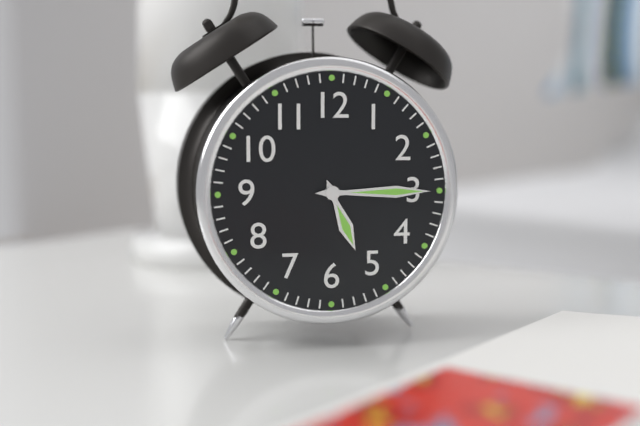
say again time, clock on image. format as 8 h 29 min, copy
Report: 5 h 15 min
